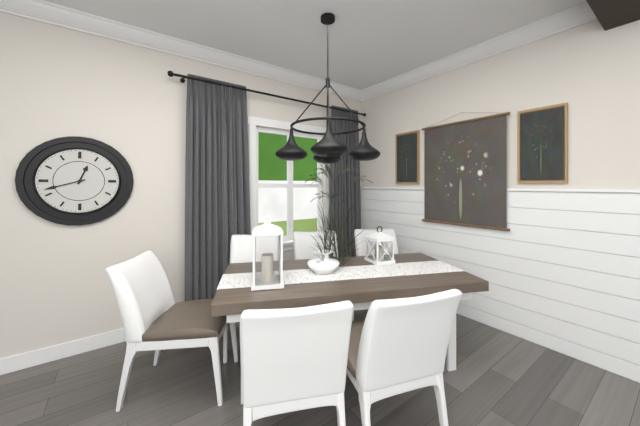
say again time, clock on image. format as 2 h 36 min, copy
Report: 12 h 42 min
